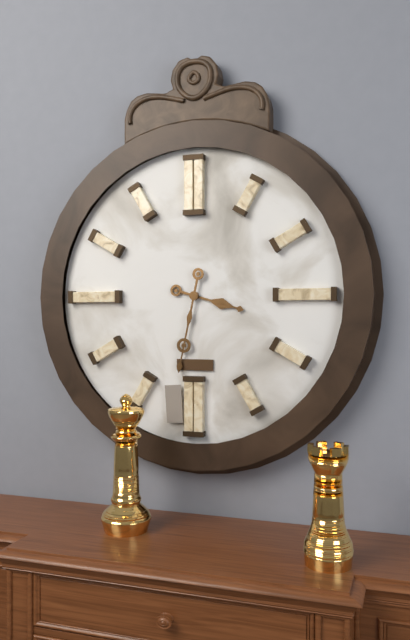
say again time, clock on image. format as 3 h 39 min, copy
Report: 3 h 32 min
